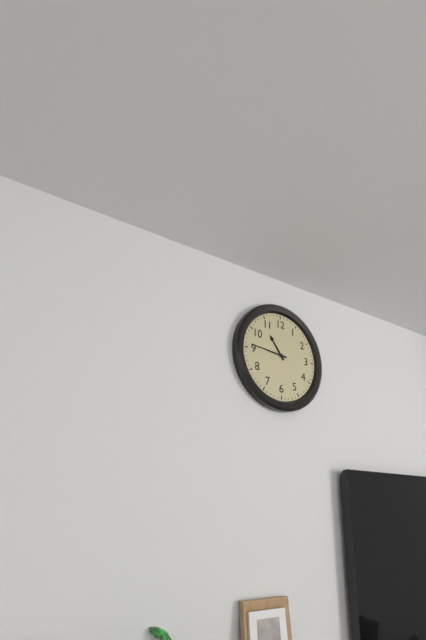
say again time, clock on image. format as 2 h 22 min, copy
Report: 10 h 46 min
